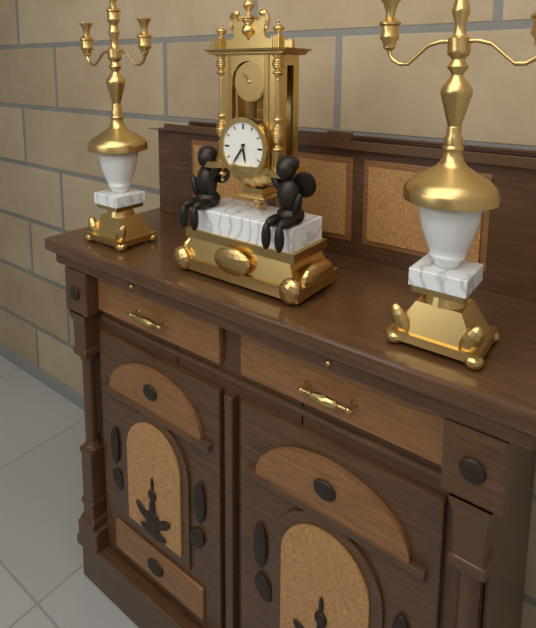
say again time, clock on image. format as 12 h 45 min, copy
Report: 5 h 36 min
